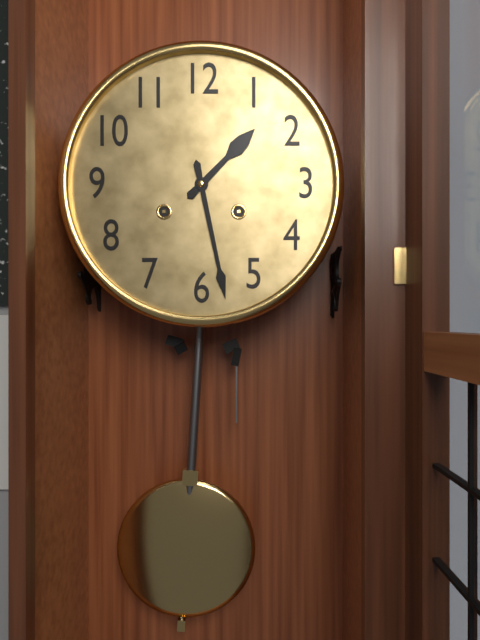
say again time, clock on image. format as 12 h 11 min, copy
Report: 1 h 28 min
